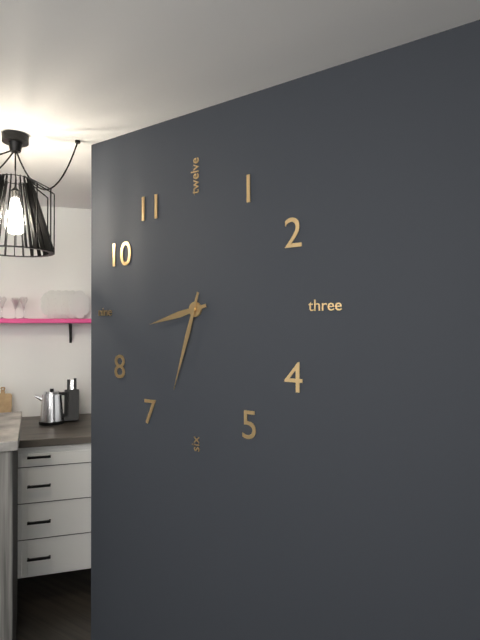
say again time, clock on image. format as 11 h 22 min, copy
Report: 8 h 33 min
